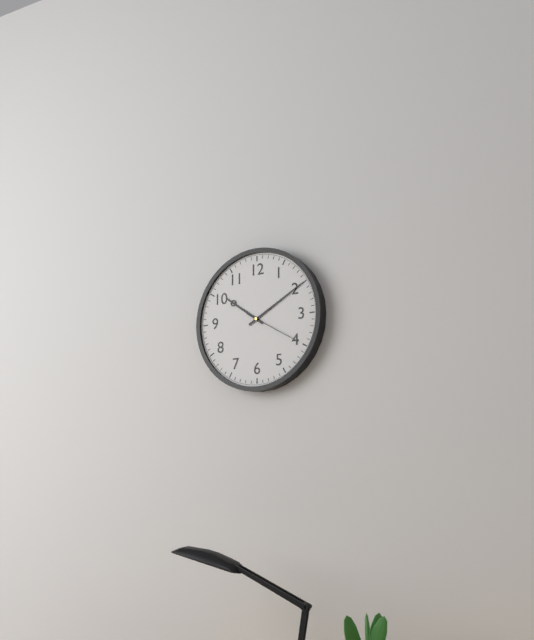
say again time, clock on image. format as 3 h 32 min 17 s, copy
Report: 10 h 10 min 20 s
